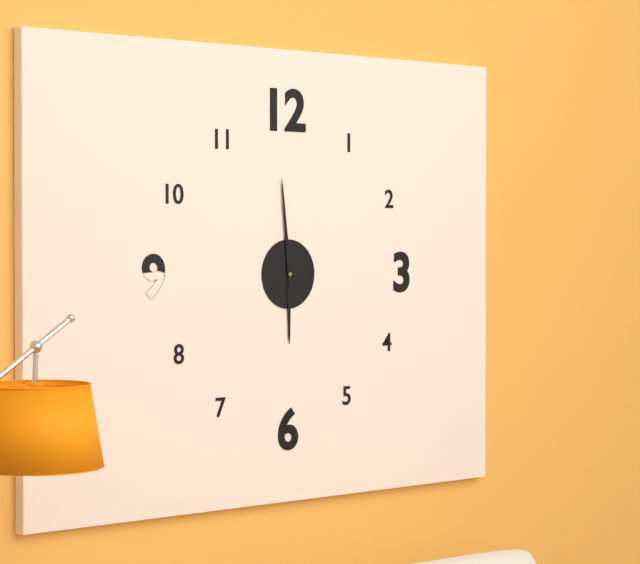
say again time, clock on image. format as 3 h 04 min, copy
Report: 5 h 59 min
